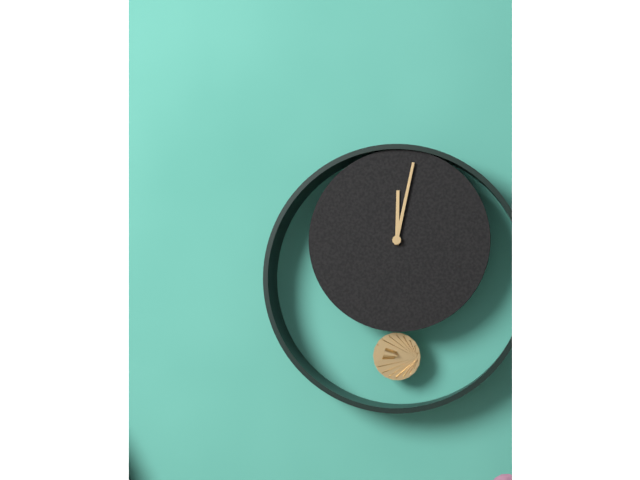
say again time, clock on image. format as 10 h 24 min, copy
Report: 12 h 02 min
